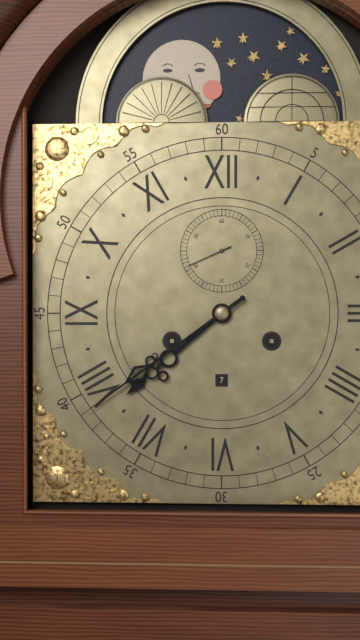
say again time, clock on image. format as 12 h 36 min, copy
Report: 7 h 39 min
